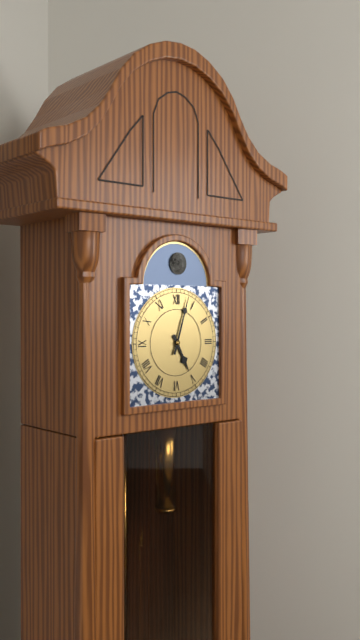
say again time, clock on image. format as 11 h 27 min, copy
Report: 5 h 03 min
